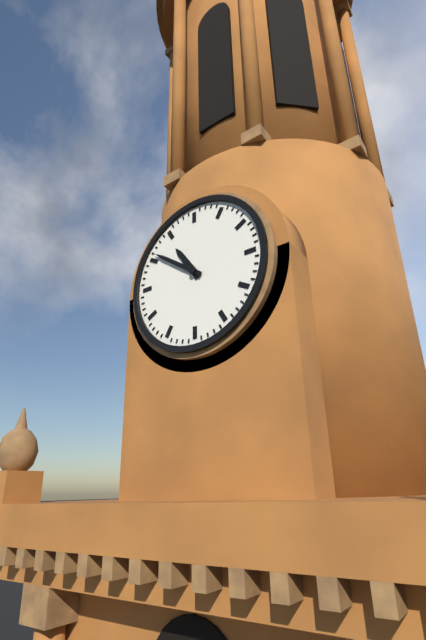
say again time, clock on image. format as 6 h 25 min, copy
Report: 10 h 51 min
